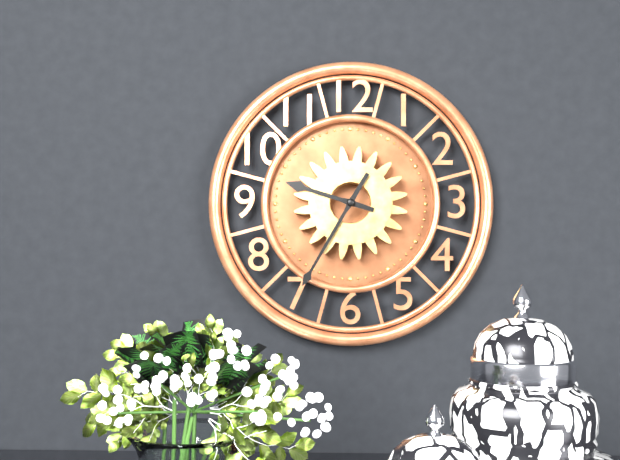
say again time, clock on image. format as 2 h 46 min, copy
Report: 9 h 35 min
